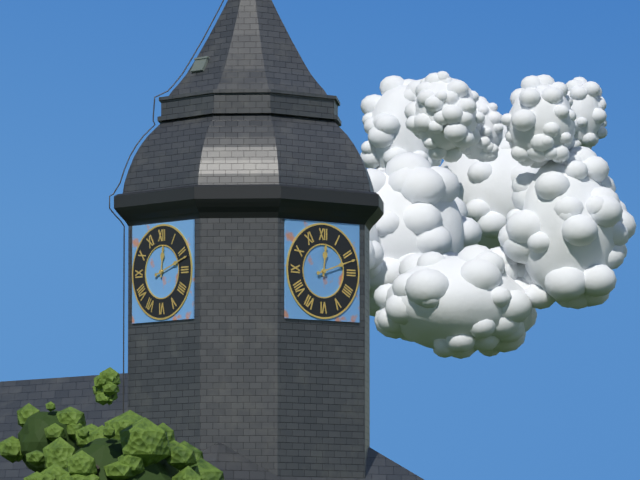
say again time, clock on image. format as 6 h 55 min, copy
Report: 12 h 12 min
